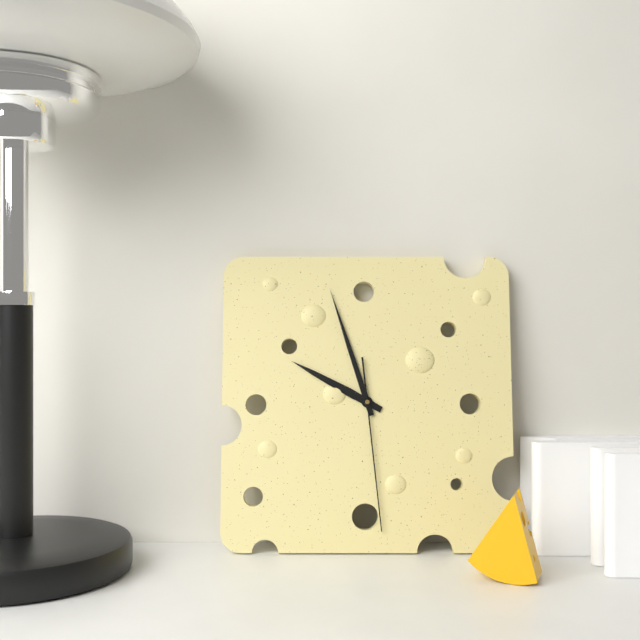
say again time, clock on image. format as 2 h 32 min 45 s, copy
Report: 9 h 57 min 29 s
